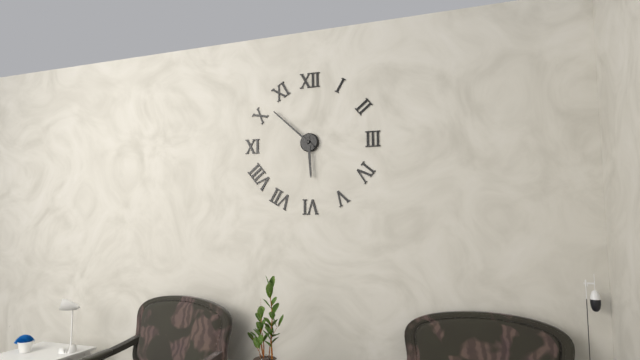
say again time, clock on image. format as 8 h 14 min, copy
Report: 5 h 52 min
